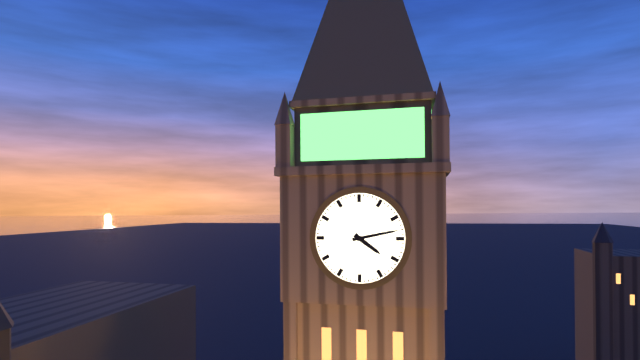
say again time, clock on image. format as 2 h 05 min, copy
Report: 4 h 13 min
